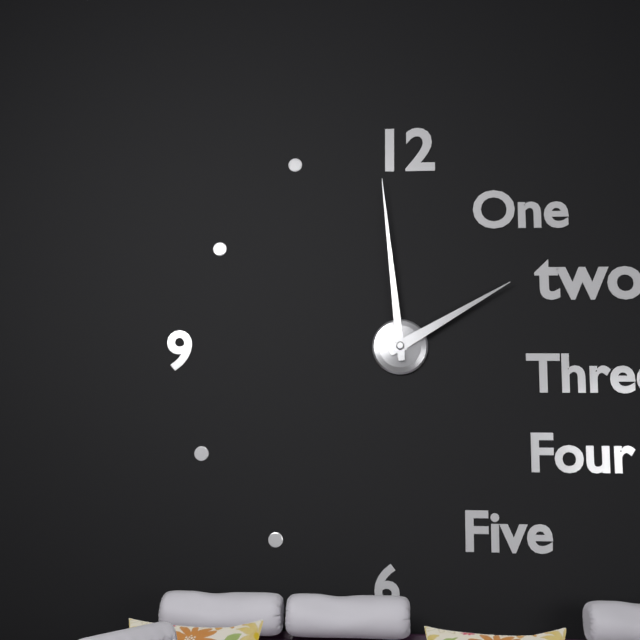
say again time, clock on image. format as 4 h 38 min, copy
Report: 1 h 59 min
